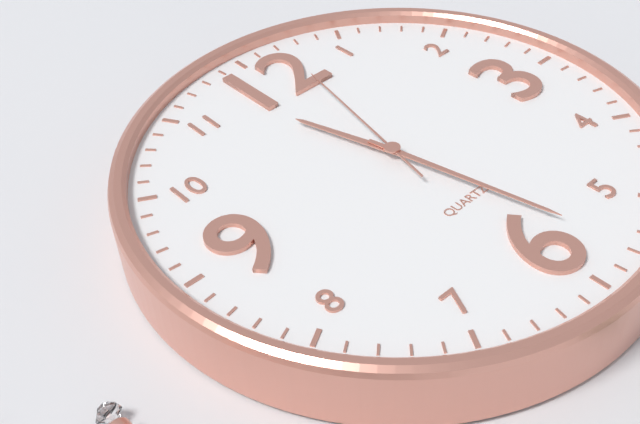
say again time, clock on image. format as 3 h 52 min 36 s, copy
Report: 11 h 28 min 02 s
